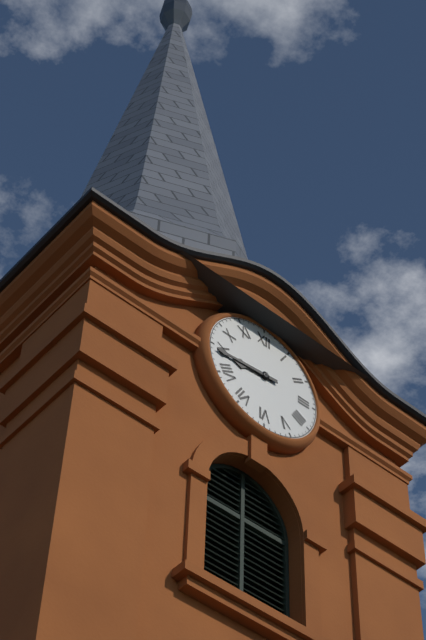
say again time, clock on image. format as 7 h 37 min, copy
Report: 8 h 44 min
